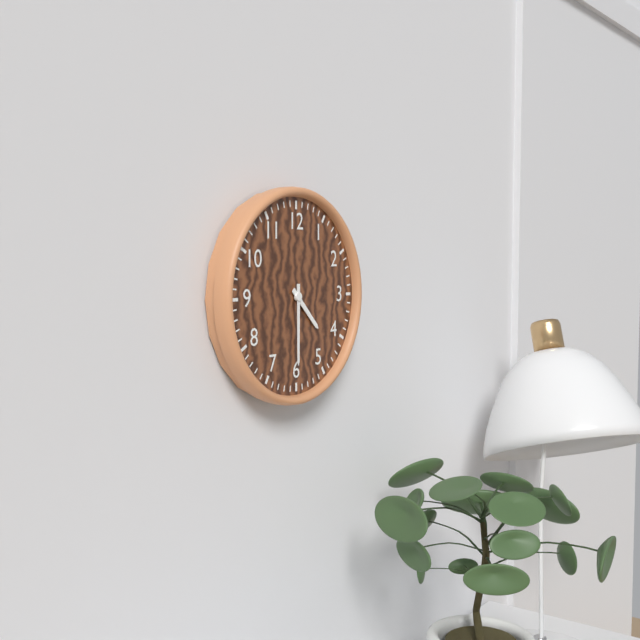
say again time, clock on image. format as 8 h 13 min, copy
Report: 4 h 30 min
